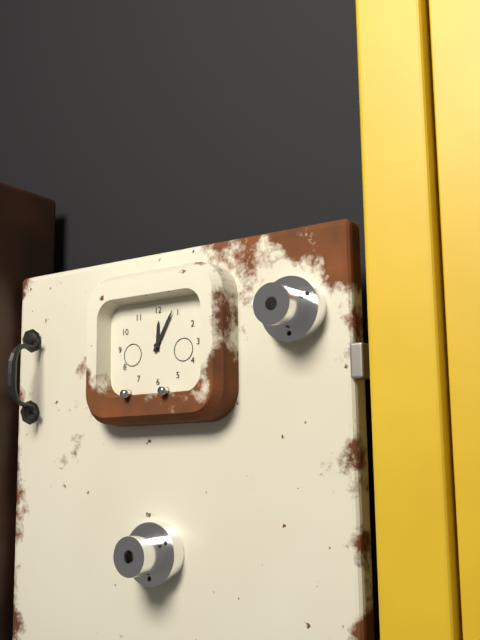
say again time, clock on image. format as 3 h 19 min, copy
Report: 12 h 05 min
